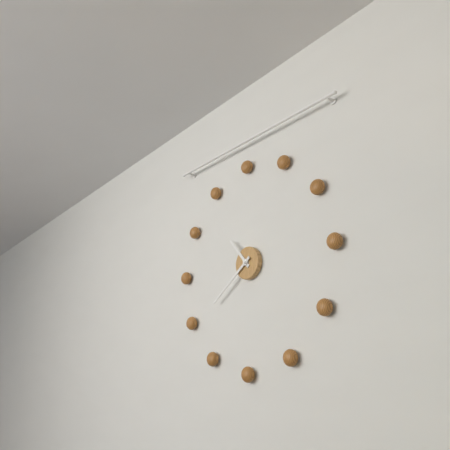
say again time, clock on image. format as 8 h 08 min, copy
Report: 10 h 39 min
